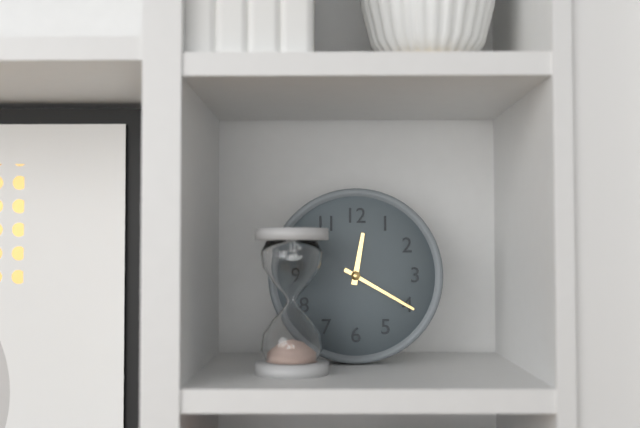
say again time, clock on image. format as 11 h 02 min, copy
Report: 12 h 20 min
